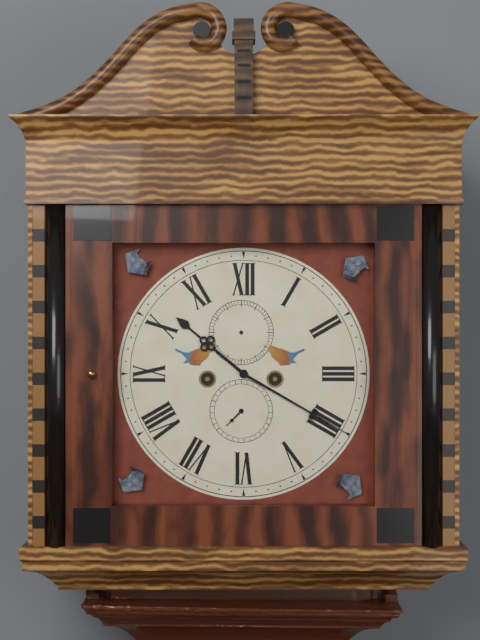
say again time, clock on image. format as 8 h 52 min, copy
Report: 10 h 20 min
